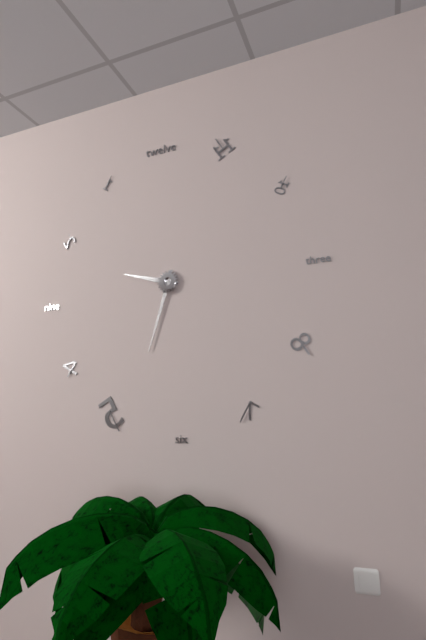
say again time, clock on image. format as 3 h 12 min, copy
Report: 9 h 33 min
